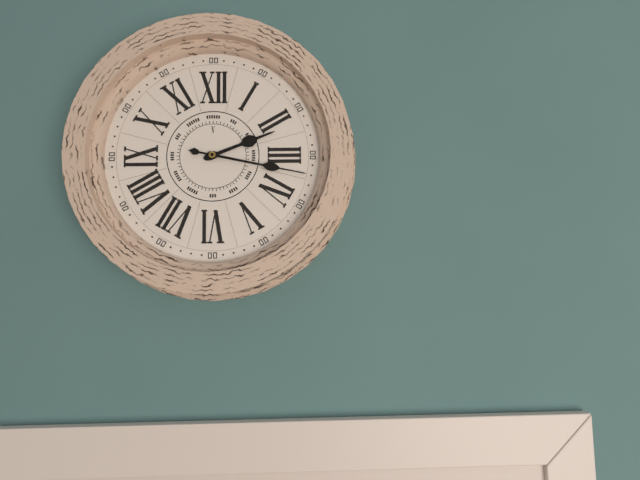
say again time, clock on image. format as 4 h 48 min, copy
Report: 2 h 17 min
